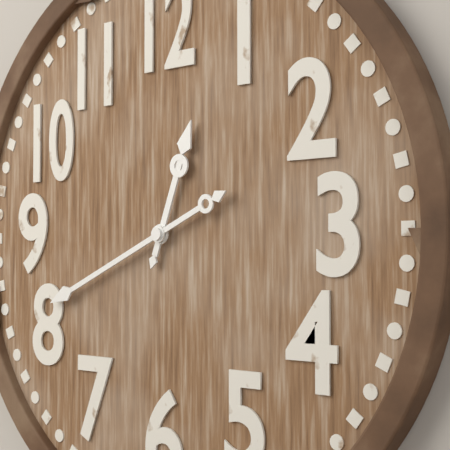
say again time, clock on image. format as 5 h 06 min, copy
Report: 12 h 41 min
